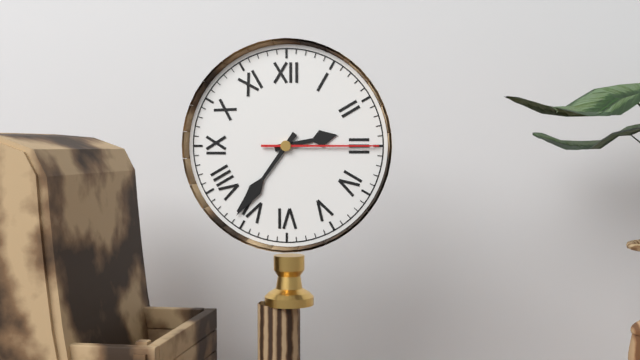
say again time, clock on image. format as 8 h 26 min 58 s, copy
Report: 2 h 36 min 15 s
